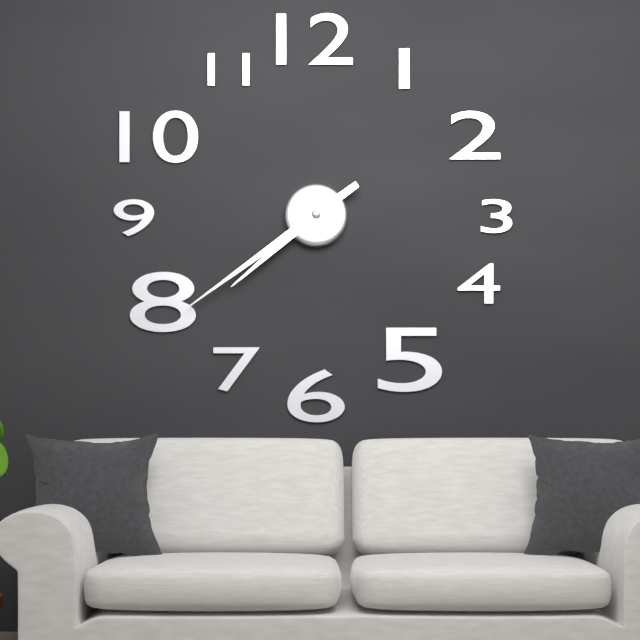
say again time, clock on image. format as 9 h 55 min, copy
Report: 7 h 39 min
